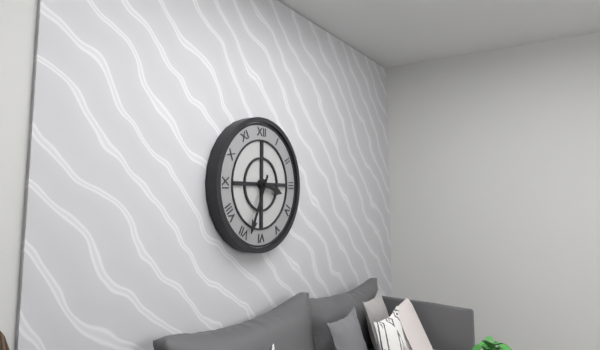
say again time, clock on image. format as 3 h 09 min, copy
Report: 3 h 34 min
